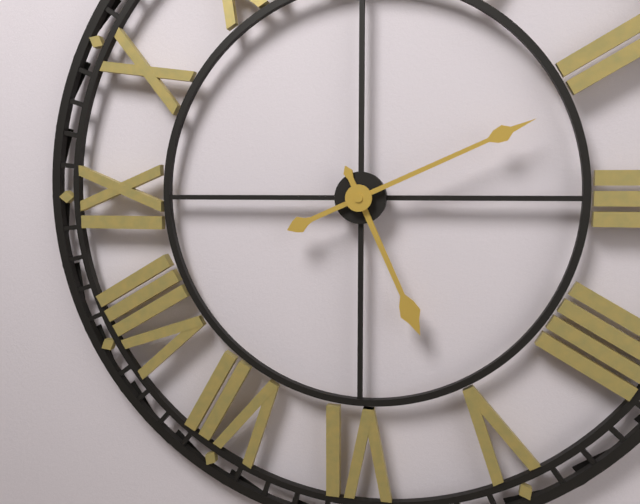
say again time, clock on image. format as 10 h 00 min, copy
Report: 5 h 11 min
